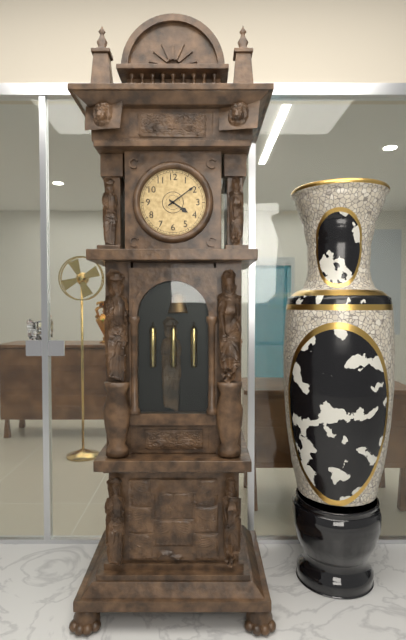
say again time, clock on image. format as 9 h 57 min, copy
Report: 4 h 09 min
